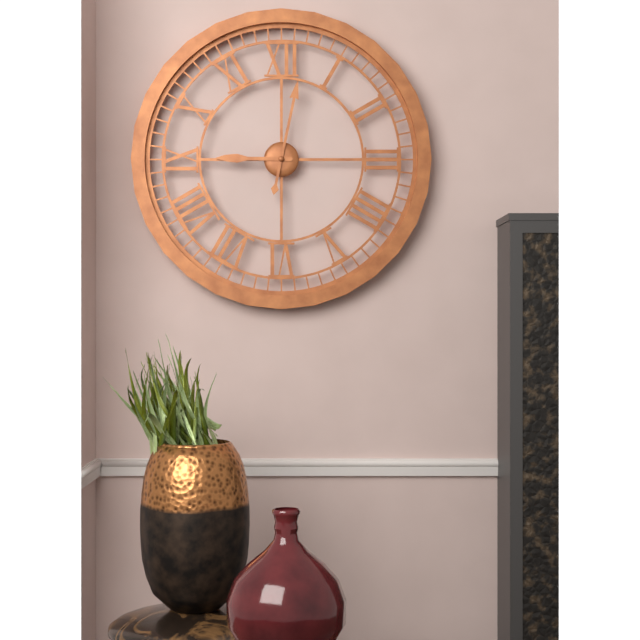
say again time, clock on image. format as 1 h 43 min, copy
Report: 9 h 02 min
